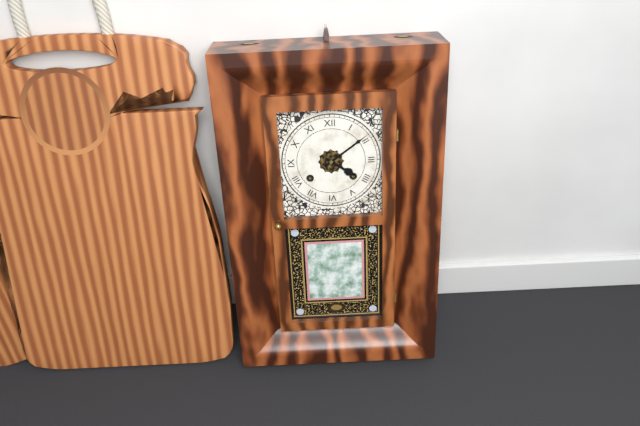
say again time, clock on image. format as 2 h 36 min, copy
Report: 4 h 09 min
